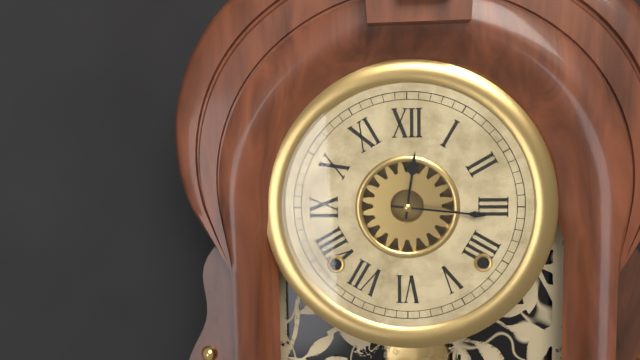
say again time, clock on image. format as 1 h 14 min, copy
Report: 12 h 16 min
